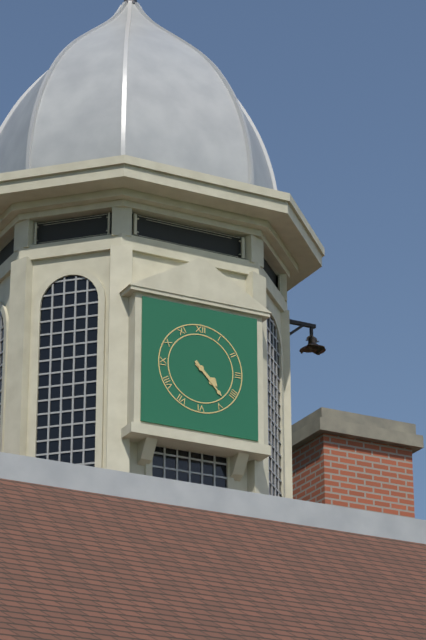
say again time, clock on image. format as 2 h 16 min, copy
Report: 4 h 23 min
